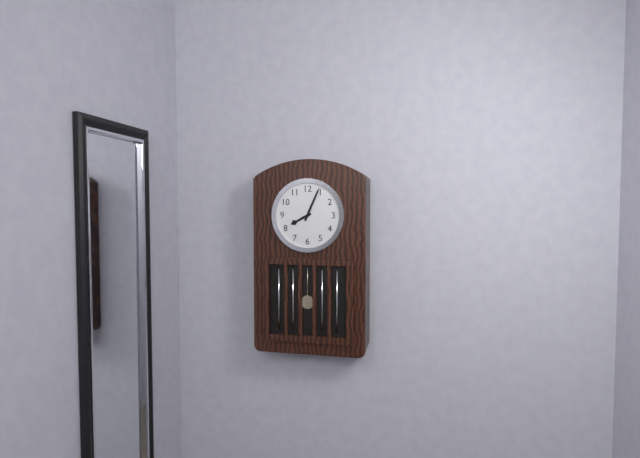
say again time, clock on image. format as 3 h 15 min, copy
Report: 8 h 04 min
